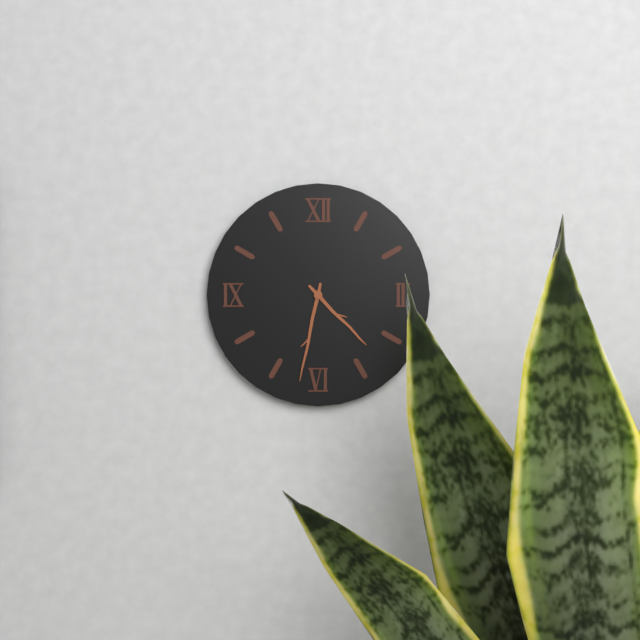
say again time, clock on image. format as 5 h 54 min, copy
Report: 4 h 32 min
